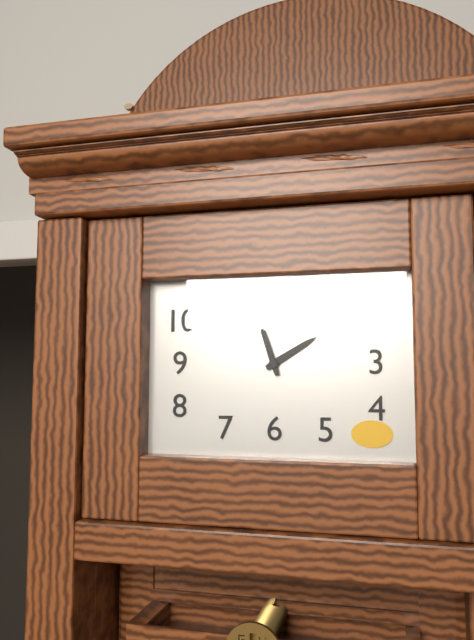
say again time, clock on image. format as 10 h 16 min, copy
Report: 1 h 57 min
